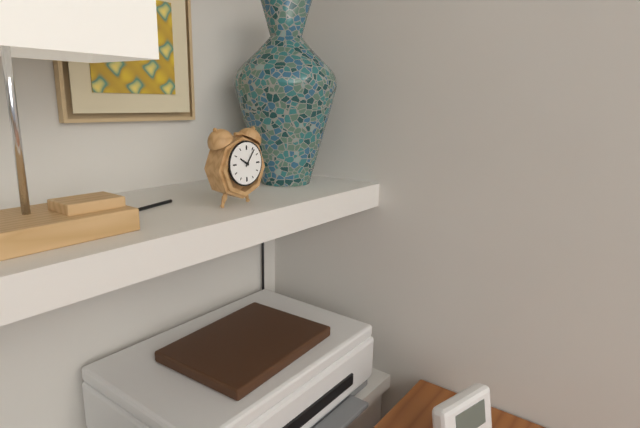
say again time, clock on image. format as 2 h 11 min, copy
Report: 10 h 06 min
